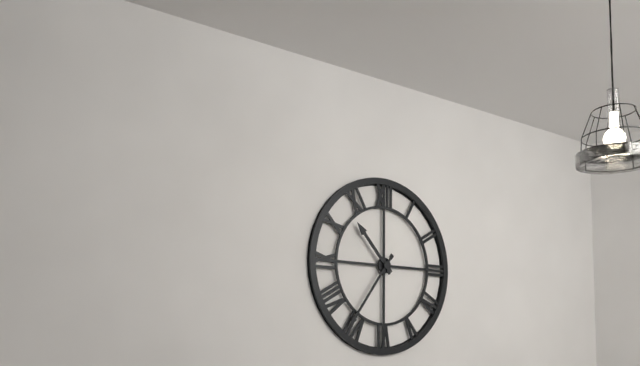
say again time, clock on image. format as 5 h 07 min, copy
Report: 10 h 36 min
